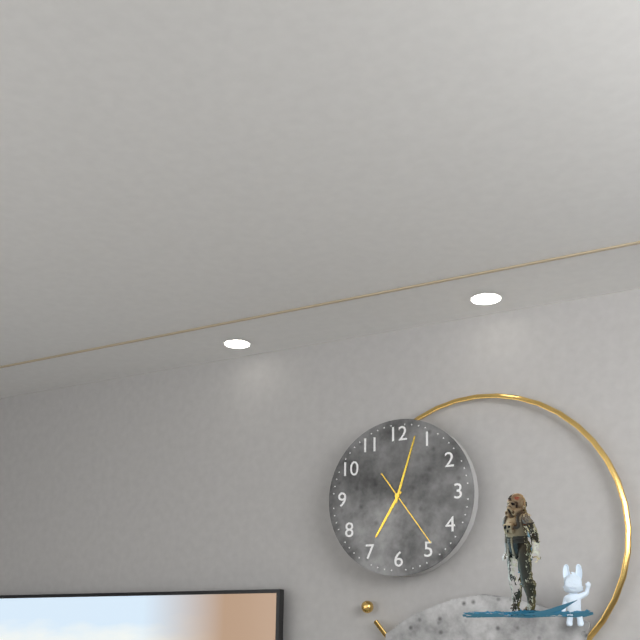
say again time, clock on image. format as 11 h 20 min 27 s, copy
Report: 7 h 03 min 24 s
